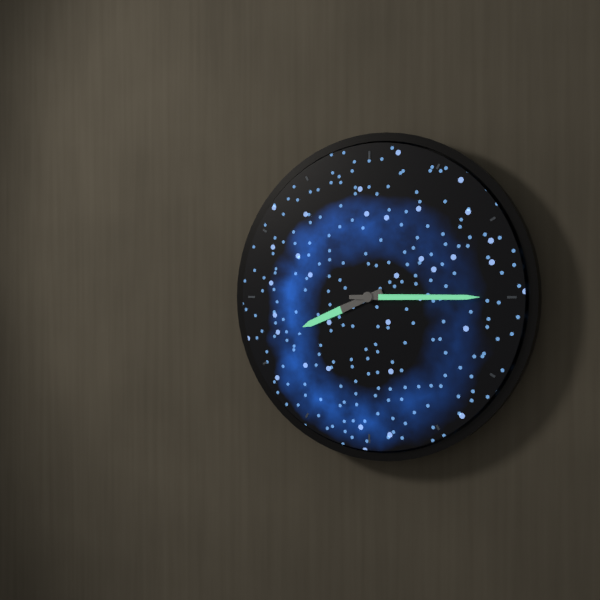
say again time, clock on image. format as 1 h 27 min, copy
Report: 8 h 15 min
